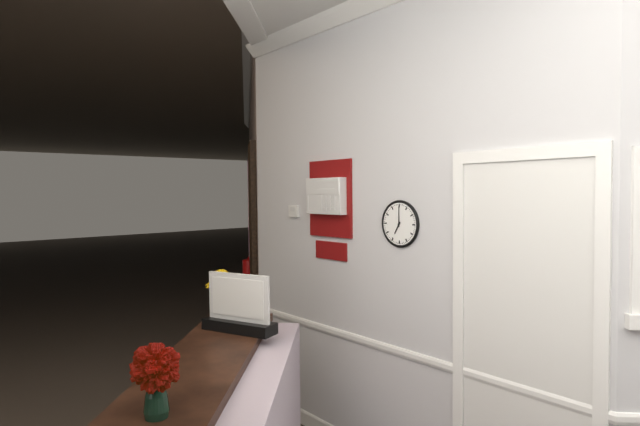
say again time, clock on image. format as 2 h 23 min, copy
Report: 7 h 00 min
